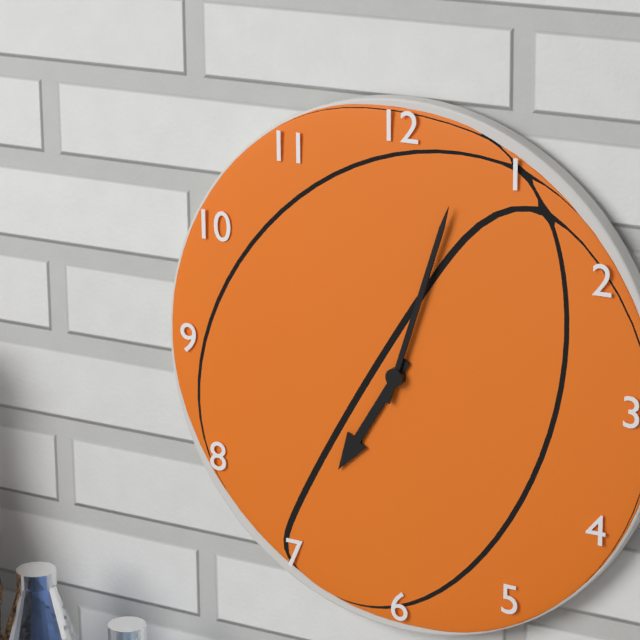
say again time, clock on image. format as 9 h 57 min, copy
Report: 7 h 03 min
